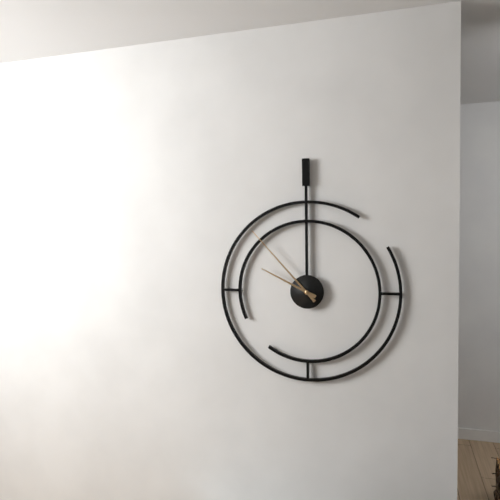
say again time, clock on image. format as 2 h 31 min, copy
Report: 9 h 53 min
